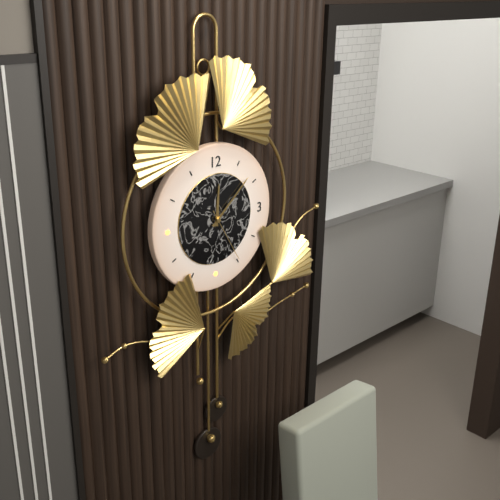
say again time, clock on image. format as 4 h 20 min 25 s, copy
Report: 12 h 08 min 25 s
